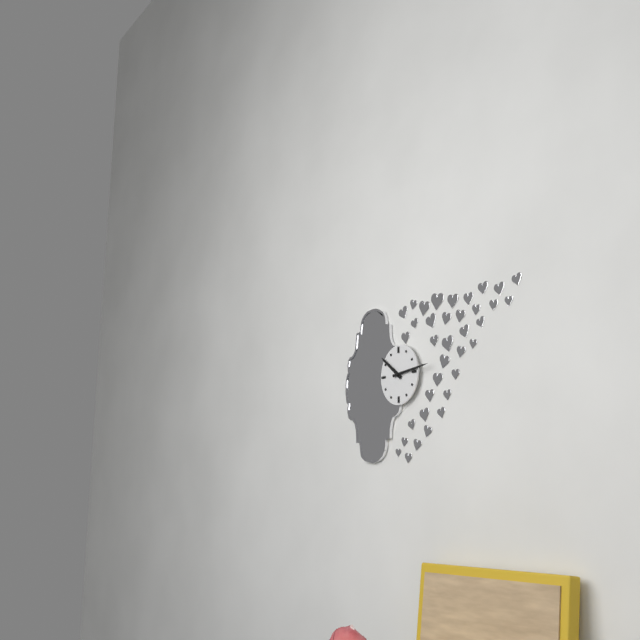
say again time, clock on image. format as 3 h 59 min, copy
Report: 10 h 14 min
